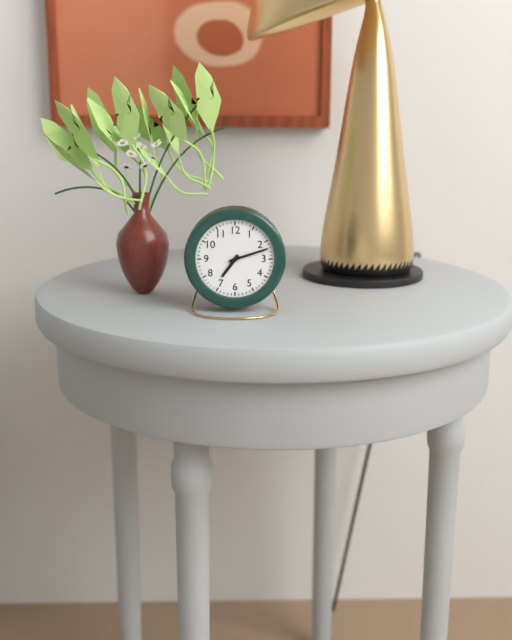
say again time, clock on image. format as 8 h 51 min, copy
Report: 7 h 12 min
